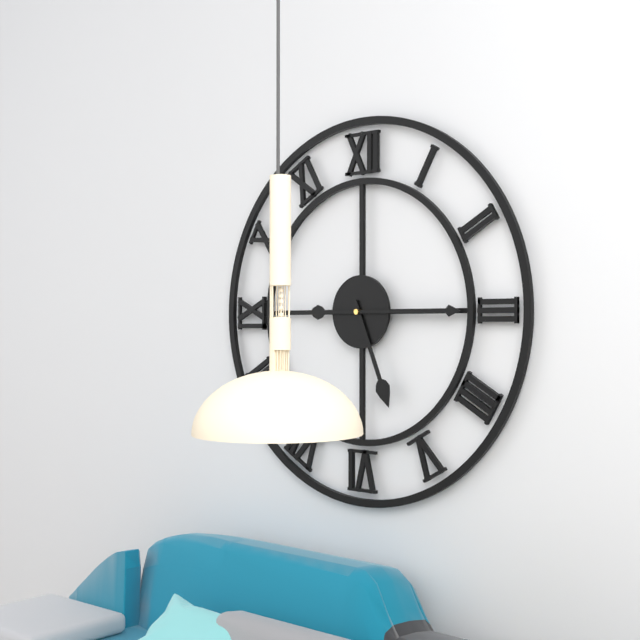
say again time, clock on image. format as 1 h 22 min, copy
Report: 5 h 15 min
